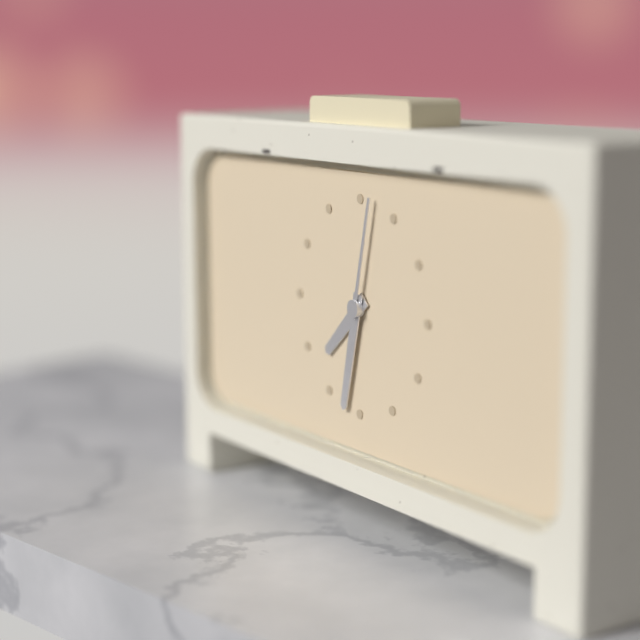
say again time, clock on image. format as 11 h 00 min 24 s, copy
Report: 7 h 32 min 02 s
